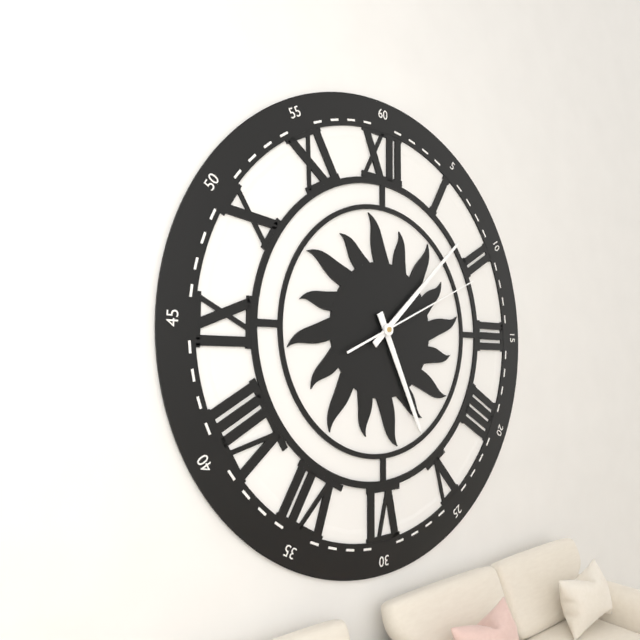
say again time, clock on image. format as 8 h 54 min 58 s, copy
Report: 5 h 08 min 11 s
